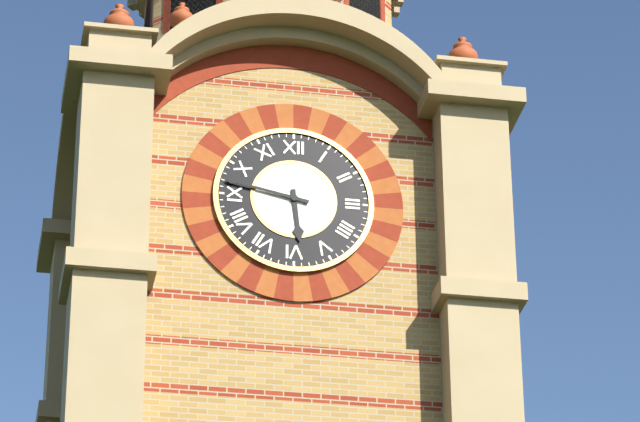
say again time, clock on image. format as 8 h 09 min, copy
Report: 5 h 47 min
